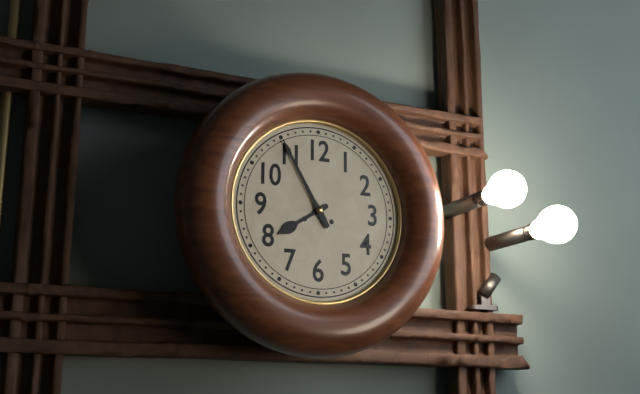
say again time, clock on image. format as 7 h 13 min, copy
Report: 7 h 55 min
